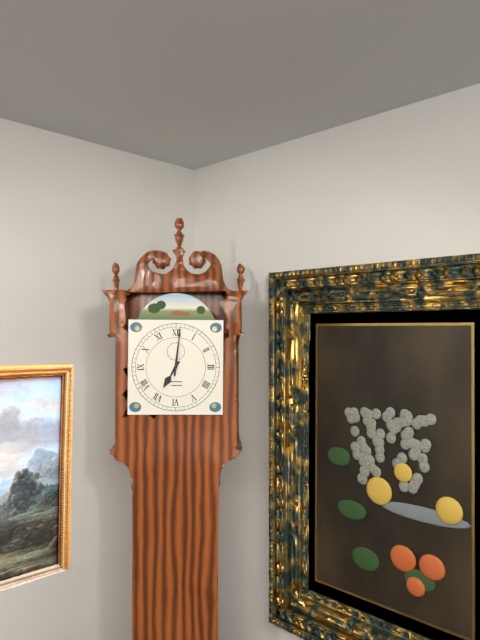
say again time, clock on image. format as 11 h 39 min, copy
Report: 7 h 01 min
